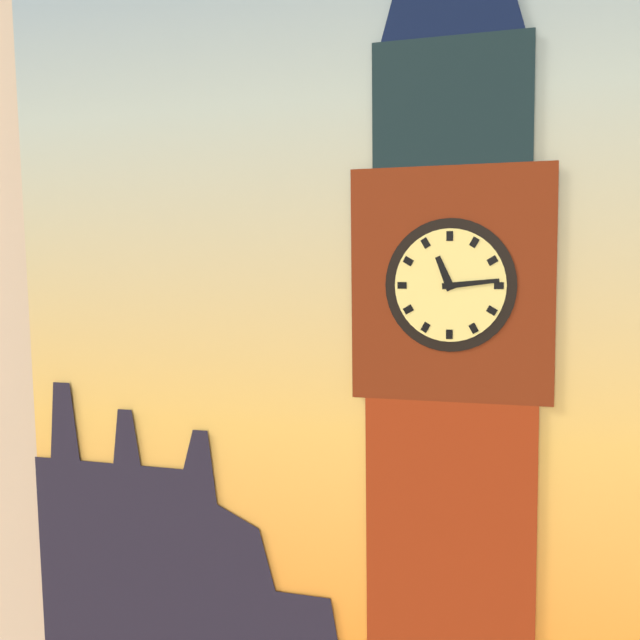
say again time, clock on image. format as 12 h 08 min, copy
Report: 11 h 14 min
